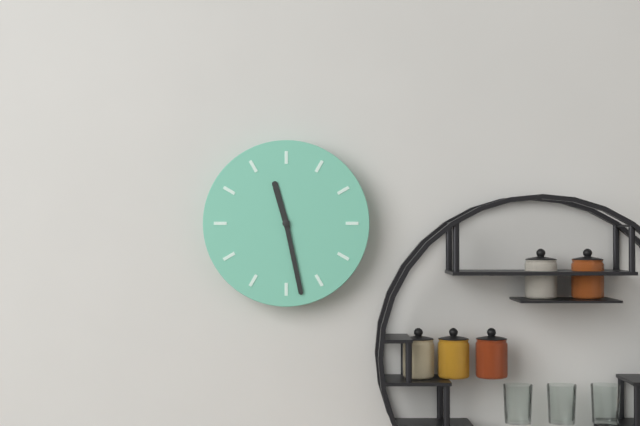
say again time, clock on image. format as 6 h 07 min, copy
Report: 11 h 28 min
